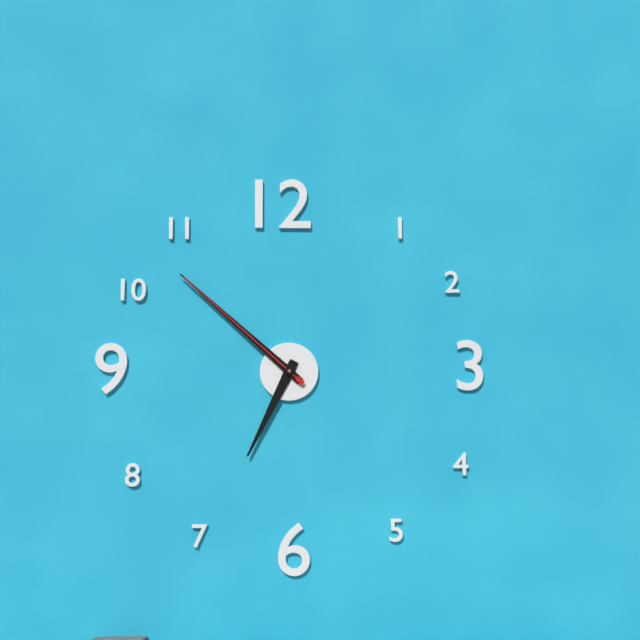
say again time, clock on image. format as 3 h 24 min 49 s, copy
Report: 6 h 52 min 52 s
